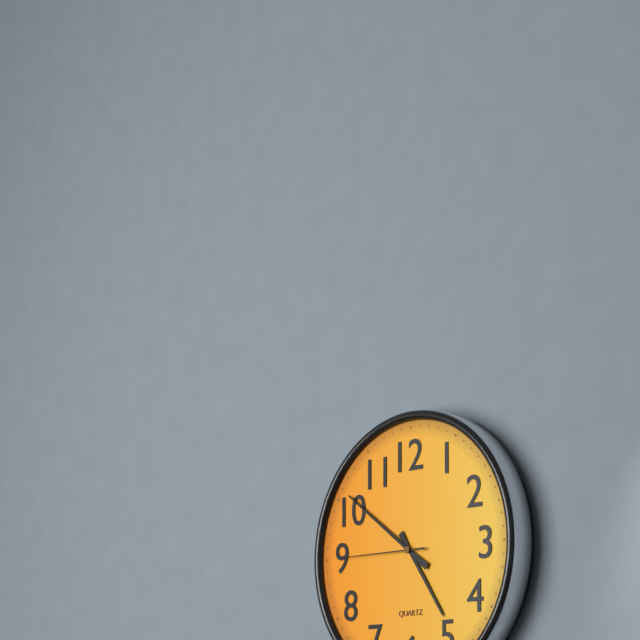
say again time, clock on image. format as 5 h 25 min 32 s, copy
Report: 4 h 51 min 45 s
